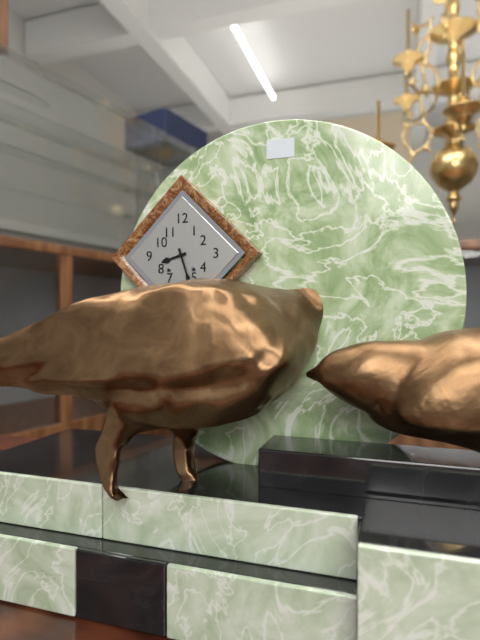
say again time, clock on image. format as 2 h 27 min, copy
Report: 8 h 27 min
